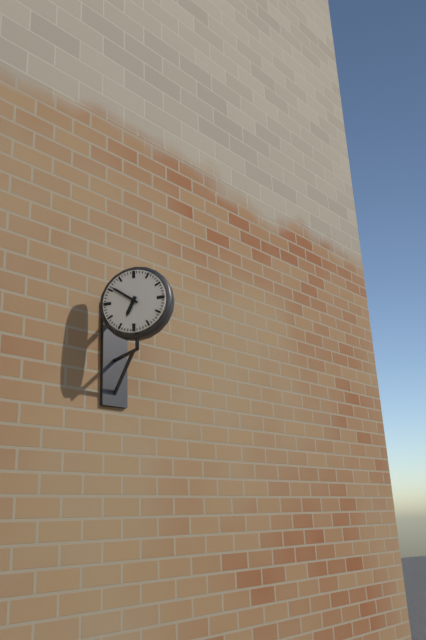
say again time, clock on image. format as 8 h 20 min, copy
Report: 6 h 51 min
